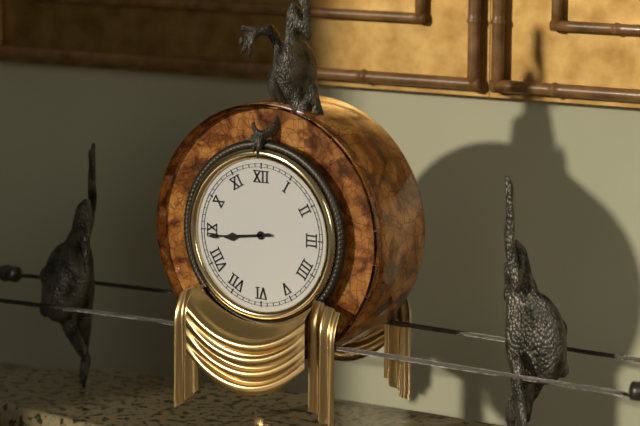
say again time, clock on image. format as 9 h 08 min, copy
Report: 8 h 44 min
